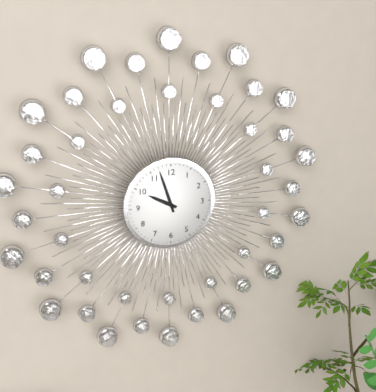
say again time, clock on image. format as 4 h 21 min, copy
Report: 9 h 57 min
